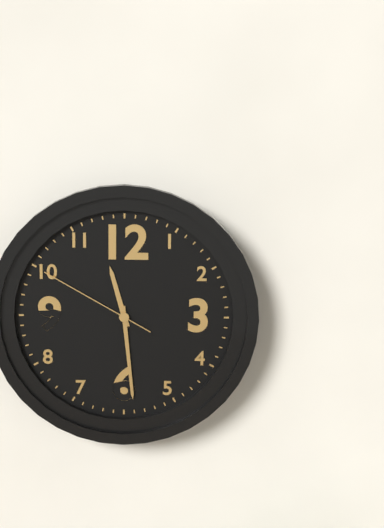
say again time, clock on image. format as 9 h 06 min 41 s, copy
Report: 11 h 29 min 50 s
